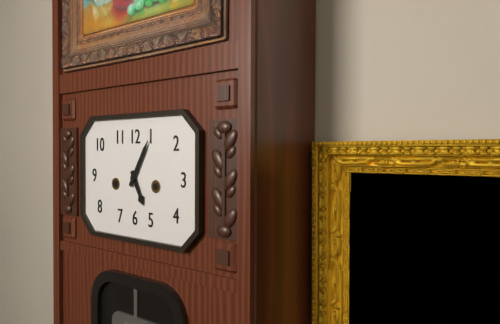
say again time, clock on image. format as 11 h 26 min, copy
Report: 5 h 05 min
